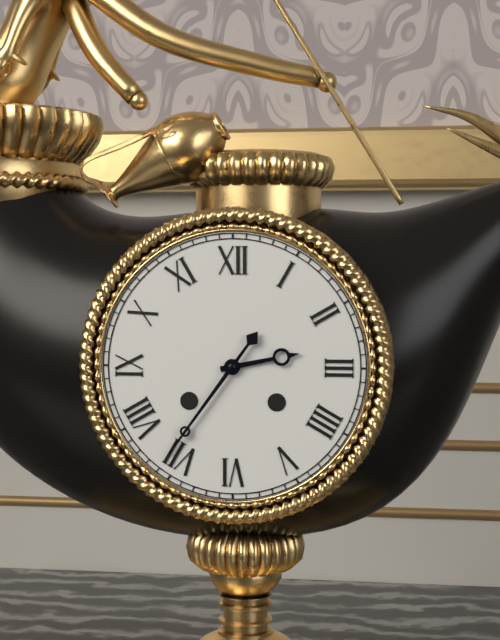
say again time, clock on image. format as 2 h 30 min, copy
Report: 2 h 36 min
